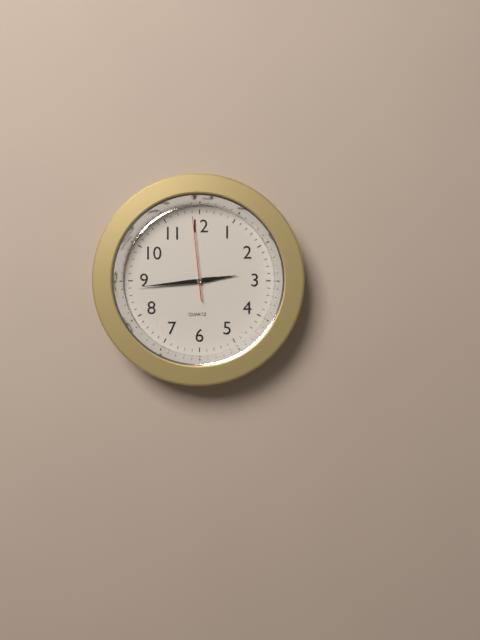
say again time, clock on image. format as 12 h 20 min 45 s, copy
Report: 2 h 44 min 59 s
